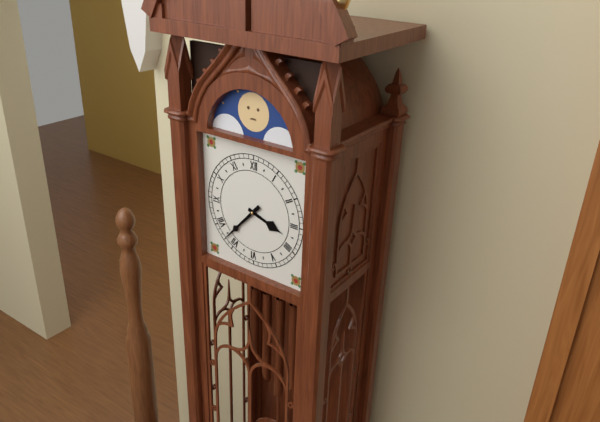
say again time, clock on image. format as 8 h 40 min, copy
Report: 3 h 37 min
